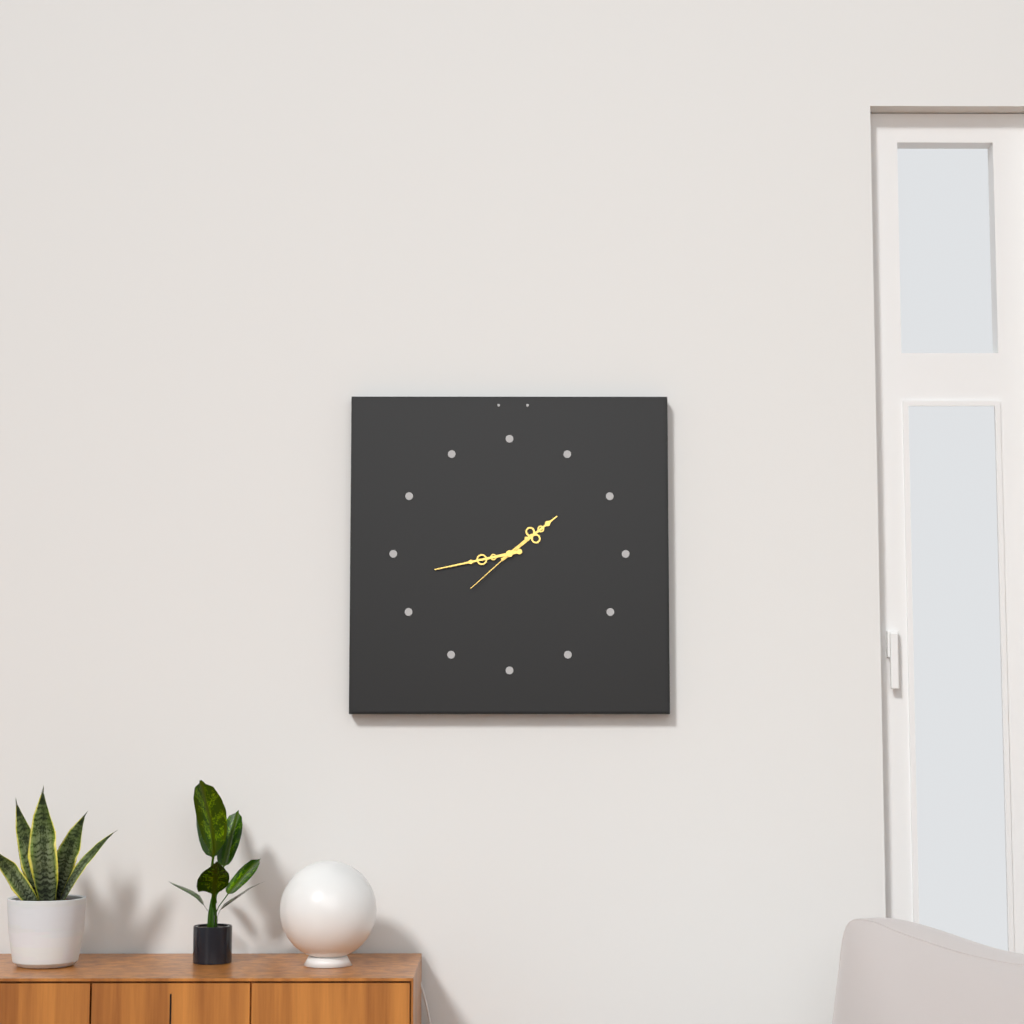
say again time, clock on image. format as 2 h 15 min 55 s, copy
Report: 1 h 43 min 38 s
